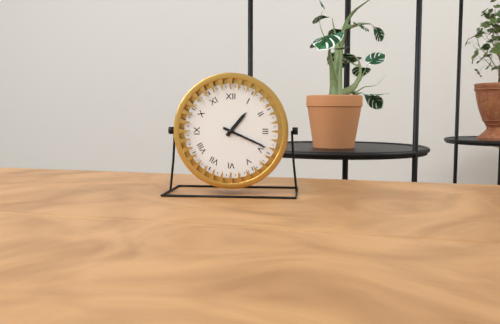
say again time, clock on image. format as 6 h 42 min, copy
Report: 1 h 19 min
